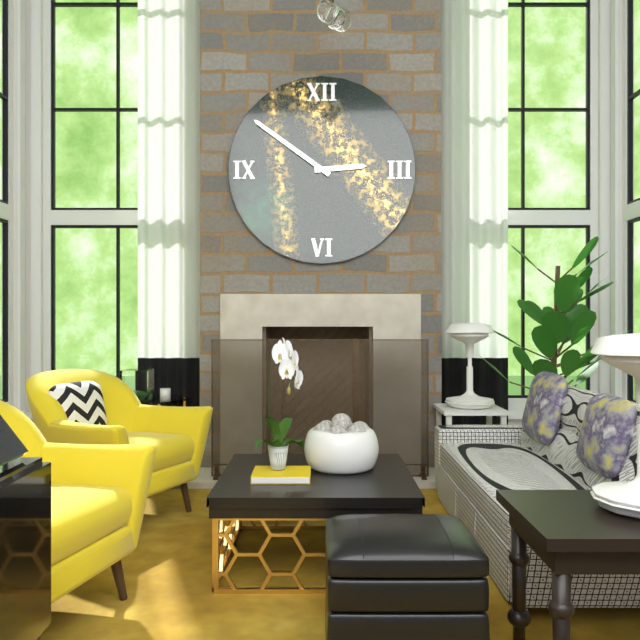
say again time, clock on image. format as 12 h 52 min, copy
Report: 2 h 51 min
